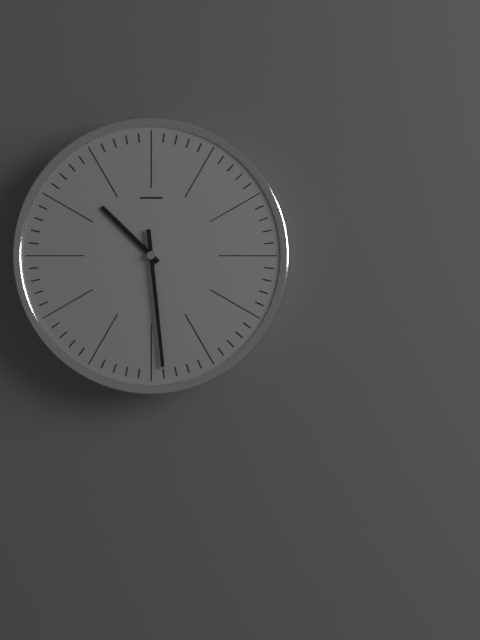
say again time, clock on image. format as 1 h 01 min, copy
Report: 10 h 29 min
